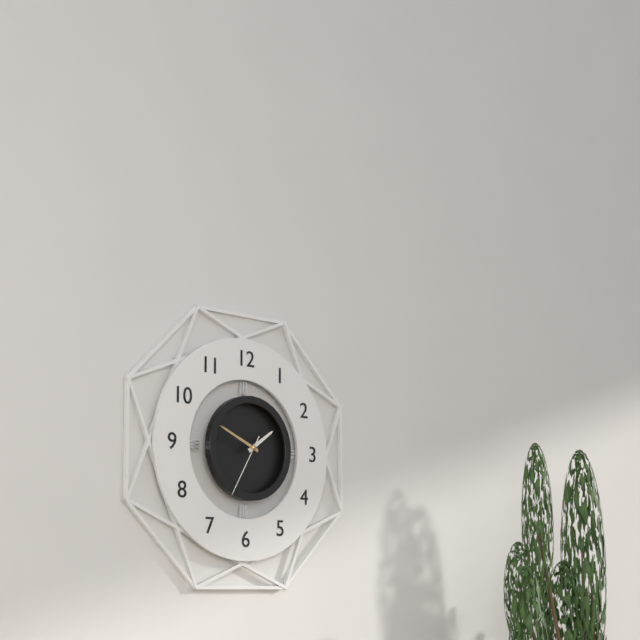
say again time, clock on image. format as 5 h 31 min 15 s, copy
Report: 1 h 49 min 35 s
